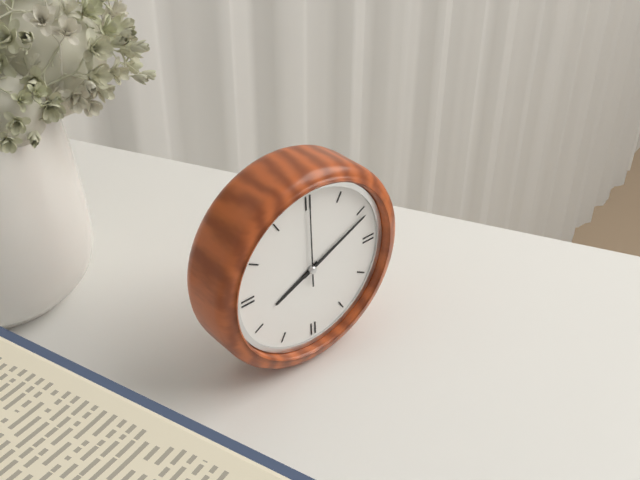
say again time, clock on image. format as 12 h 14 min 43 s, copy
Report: 8 h 11 min 00 s
